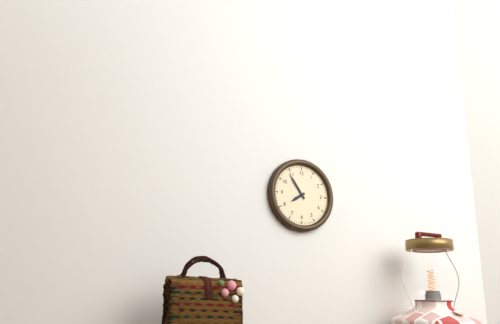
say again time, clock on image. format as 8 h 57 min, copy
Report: 7 h 54 min
